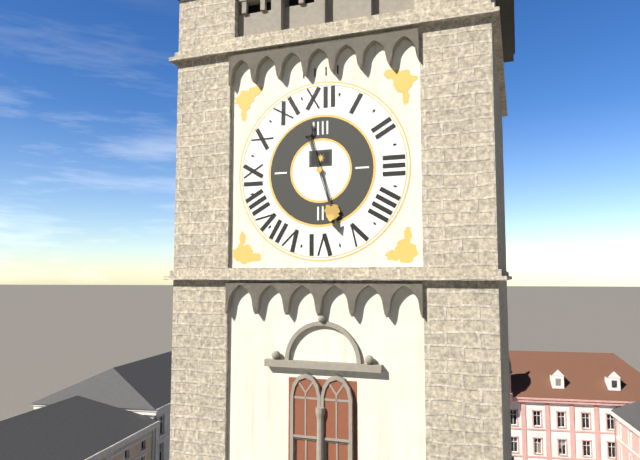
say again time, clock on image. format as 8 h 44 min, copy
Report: 5 h 27 min
